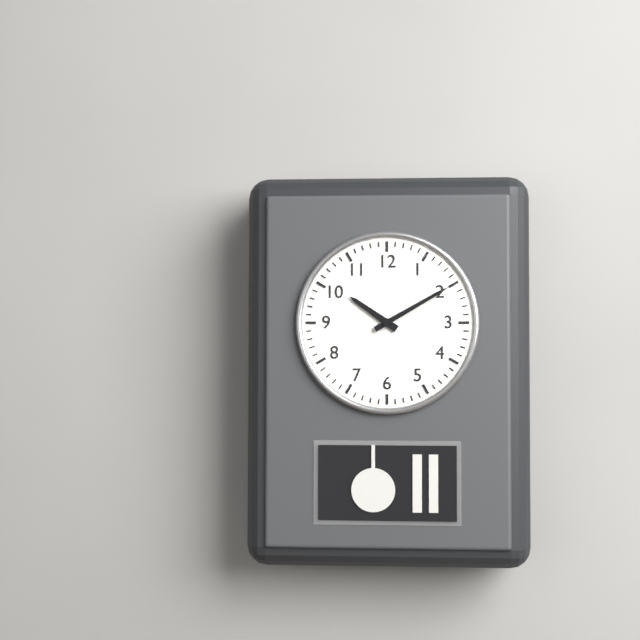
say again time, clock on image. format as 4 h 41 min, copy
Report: 10 h 10 min
